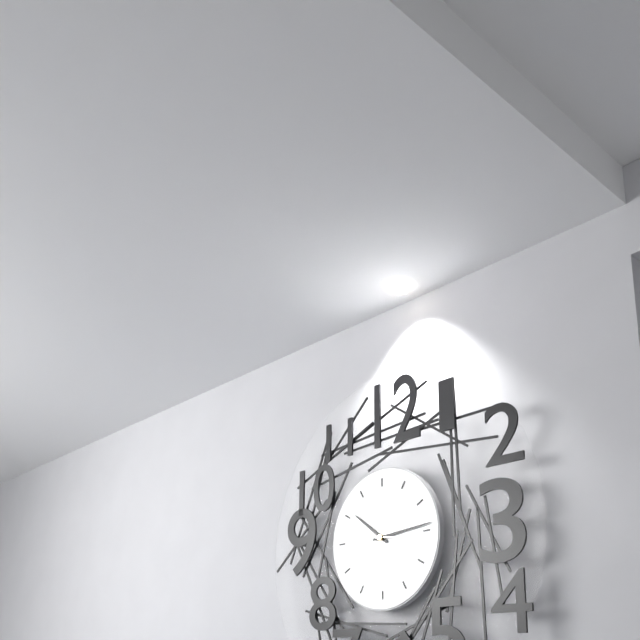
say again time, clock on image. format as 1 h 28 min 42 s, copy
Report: 10 h 14 min 16 s
